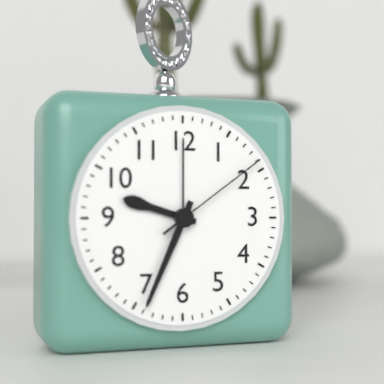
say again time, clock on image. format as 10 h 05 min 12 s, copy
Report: 9 h 34 min 09 s
